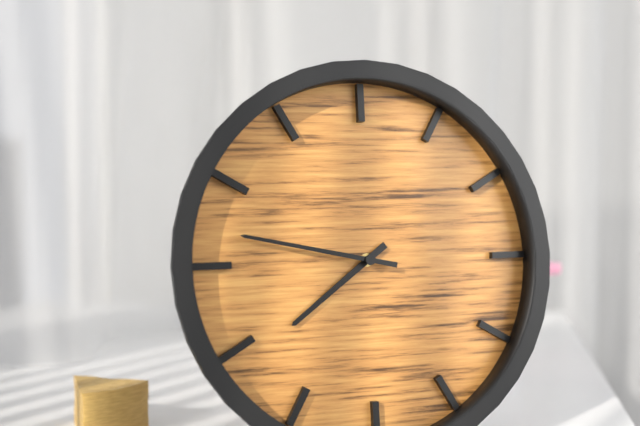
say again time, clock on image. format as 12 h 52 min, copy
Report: 7 h 47 min
